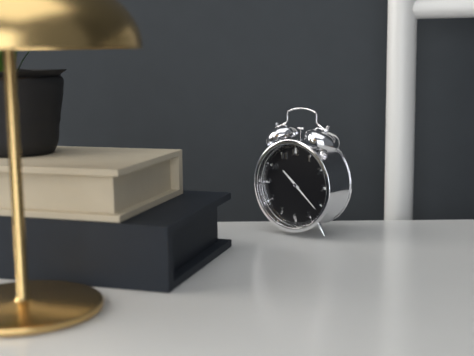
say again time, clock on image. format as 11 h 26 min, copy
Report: 10 h 22 min
